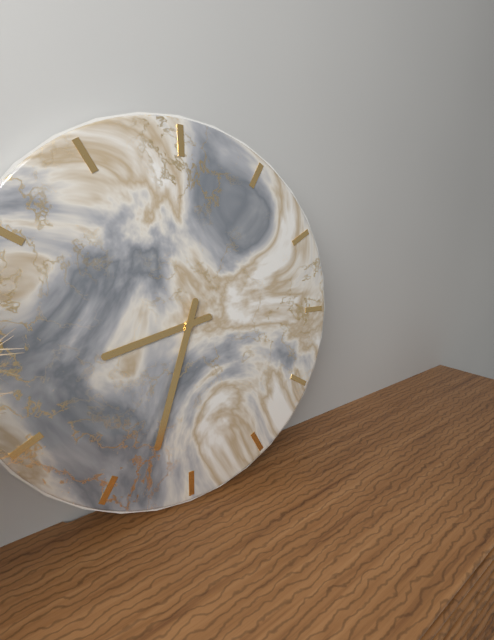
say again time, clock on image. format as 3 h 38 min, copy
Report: 8 h 33 min
